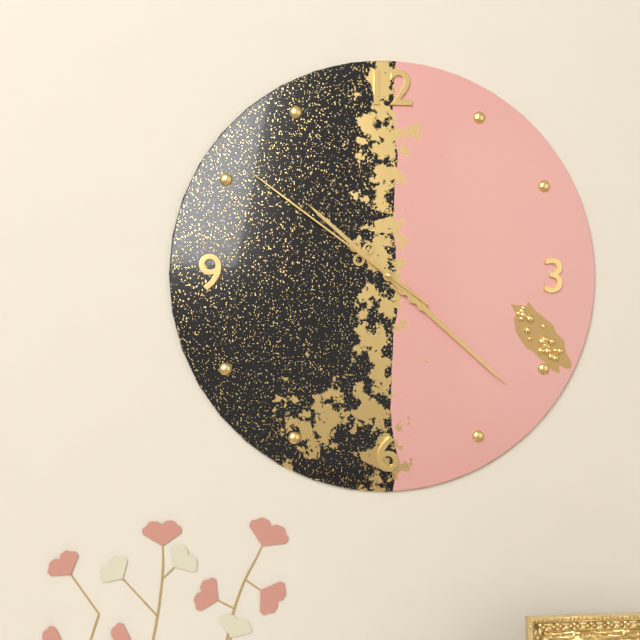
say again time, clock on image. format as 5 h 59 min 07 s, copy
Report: 10 h 22 min 51 s
